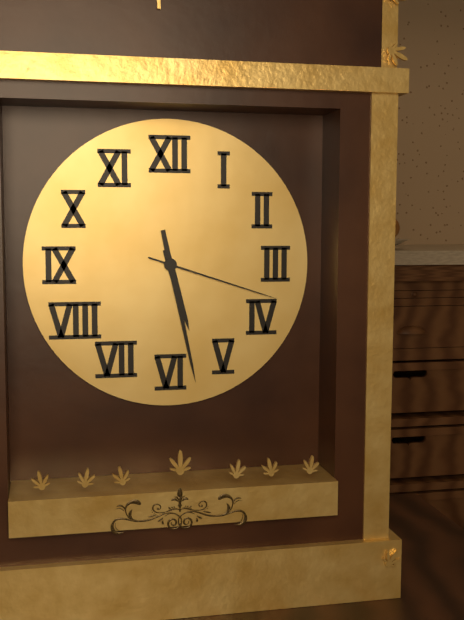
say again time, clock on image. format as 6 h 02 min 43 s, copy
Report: 5 h 28 min 18 s
